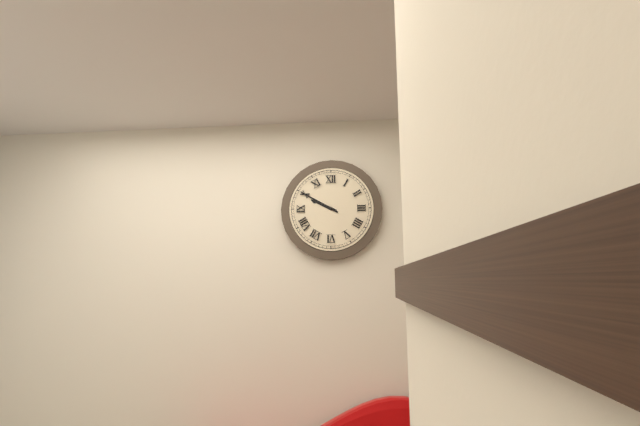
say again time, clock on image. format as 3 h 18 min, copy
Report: 9 h 50 min
